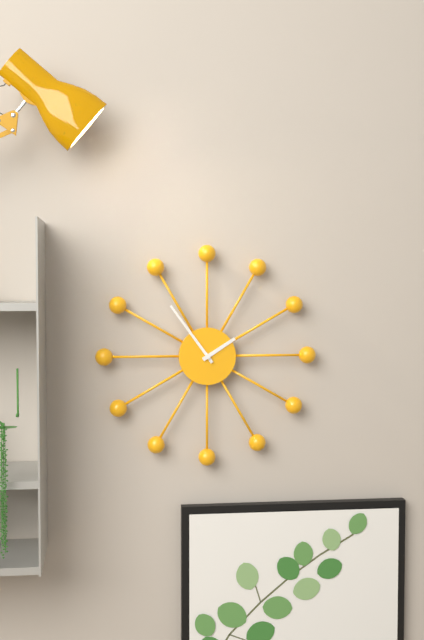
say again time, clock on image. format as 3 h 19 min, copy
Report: 1 h 54 min
